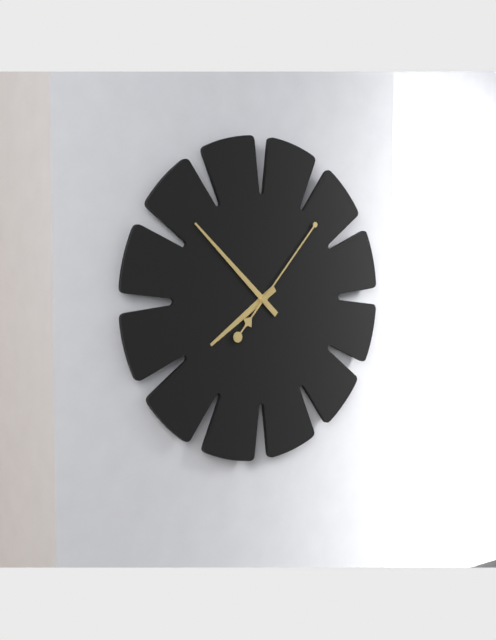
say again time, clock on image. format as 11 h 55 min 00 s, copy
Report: 7 h 52 min 07 s
